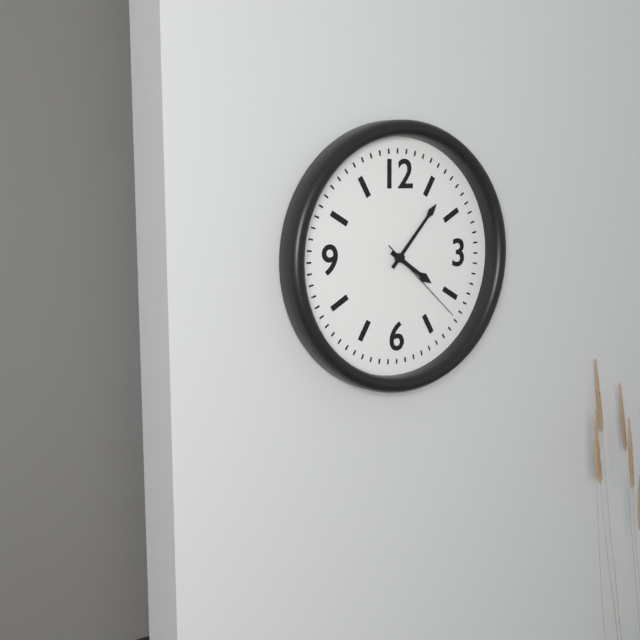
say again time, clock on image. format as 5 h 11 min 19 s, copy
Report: 4 h 07 min 22 s
